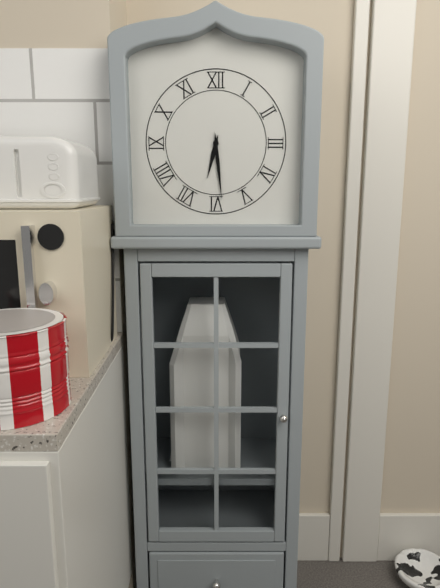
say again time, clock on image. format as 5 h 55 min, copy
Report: 6 h 29 min
